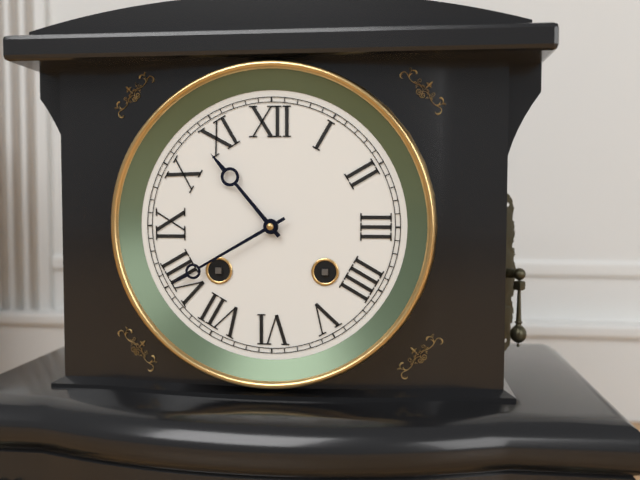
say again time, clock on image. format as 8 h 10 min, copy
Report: 10 h 40 min
